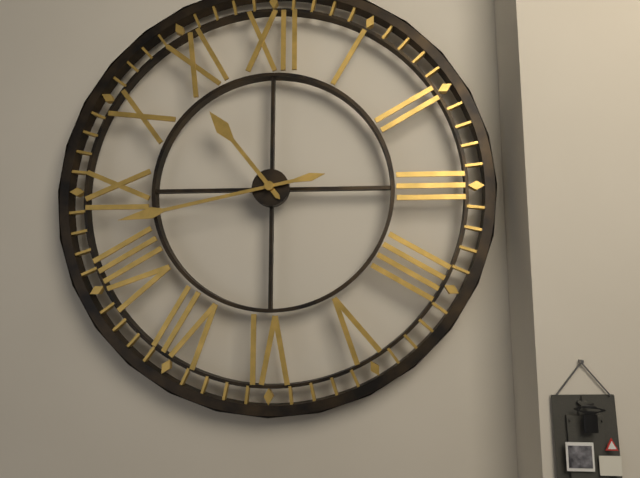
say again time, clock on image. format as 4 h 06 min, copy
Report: 10 h 43 min
